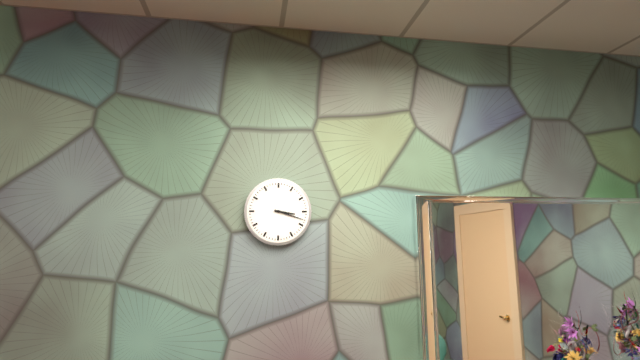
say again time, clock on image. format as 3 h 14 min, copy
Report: 3 h 18 min
